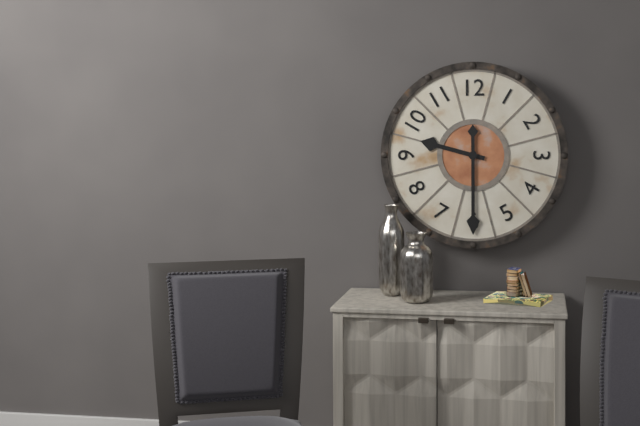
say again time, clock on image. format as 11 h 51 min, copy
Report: 9 h 30 min
